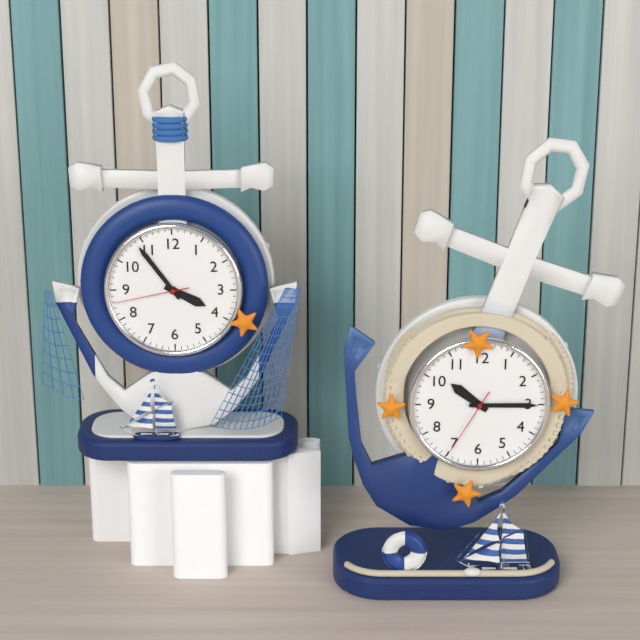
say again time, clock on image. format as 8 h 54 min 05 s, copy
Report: 3 h 54 min 43 s
